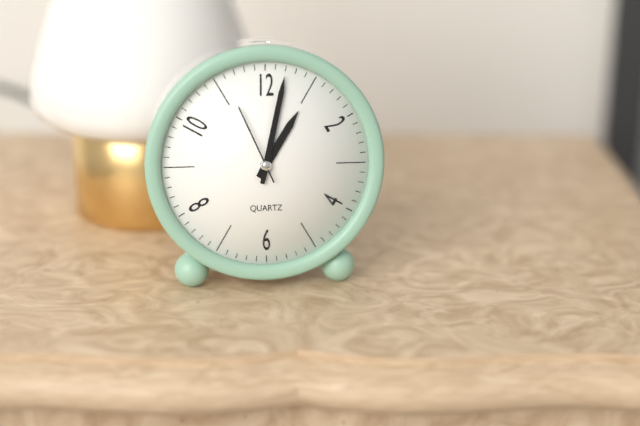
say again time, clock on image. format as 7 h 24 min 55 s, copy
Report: 1 h 02 min 56 s
